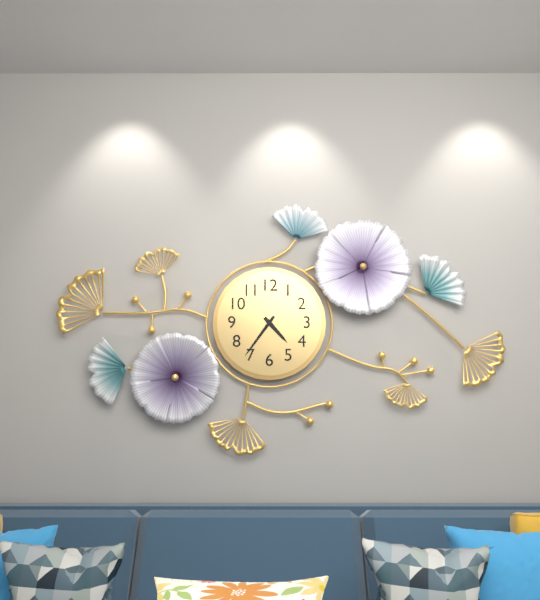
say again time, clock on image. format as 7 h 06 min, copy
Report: 4 h 36 min
